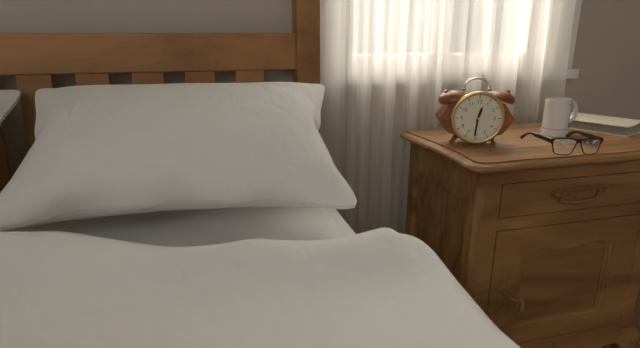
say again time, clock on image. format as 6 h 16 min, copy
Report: 12 h 31 min
